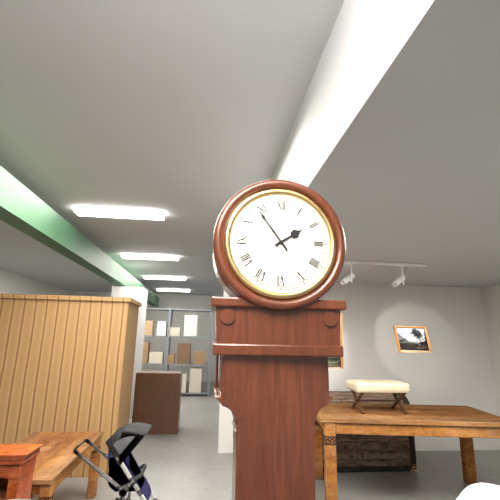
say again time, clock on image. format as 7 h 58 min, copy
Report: 1 h 54 min
